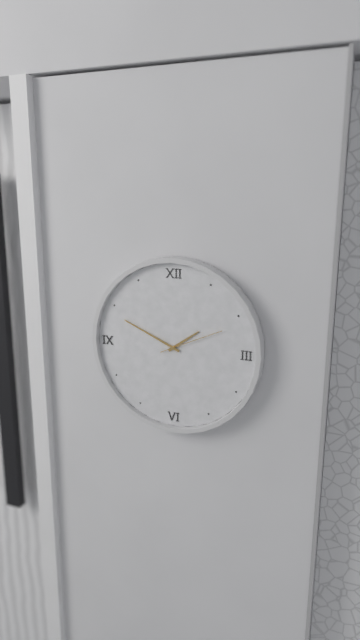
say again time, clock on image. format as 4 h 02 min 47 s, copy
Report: 1 h 49 min 11 s
